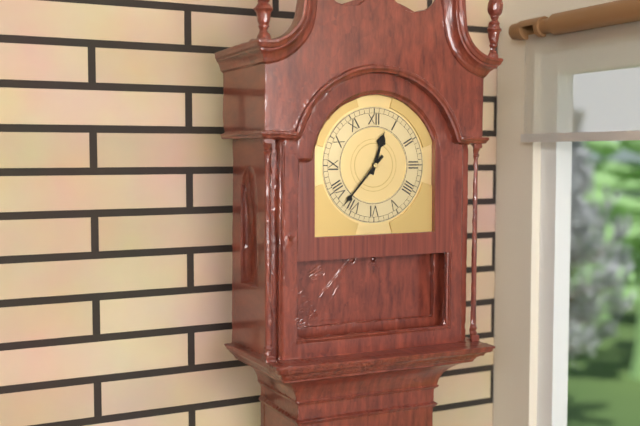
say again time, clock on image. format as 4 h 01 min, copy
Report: 12 h 37 min
